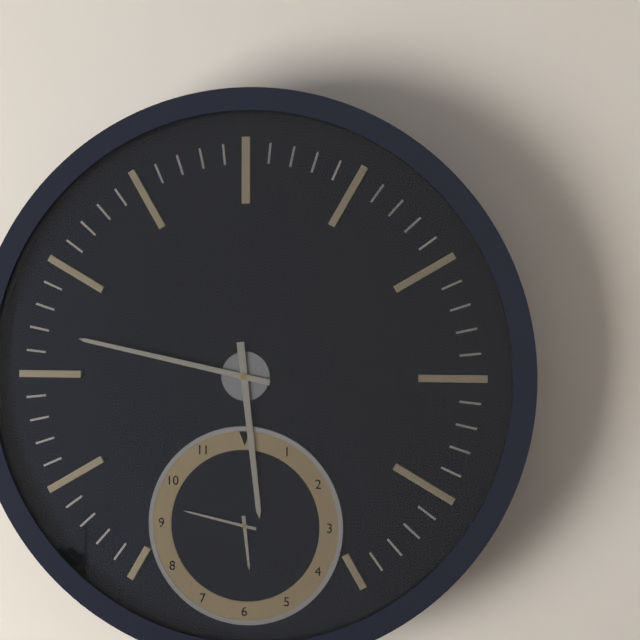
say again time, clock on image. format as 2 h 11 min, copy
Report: 5 h 47 min
